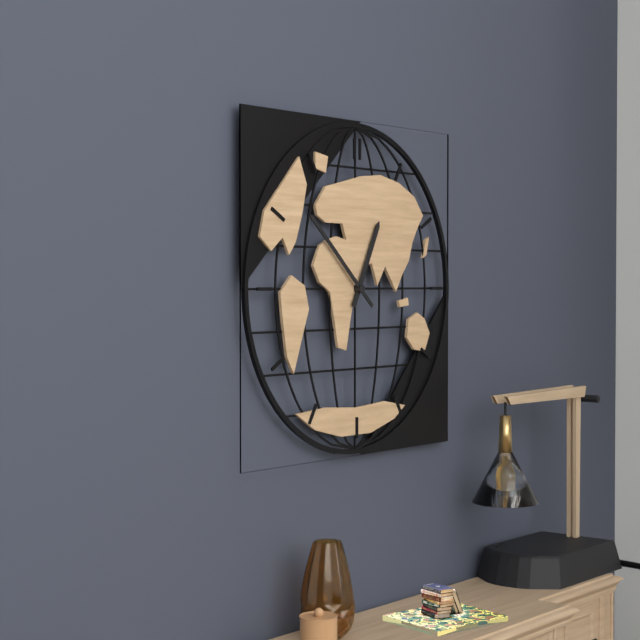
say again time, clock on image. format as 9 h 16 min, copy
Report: 12 h 52 min
